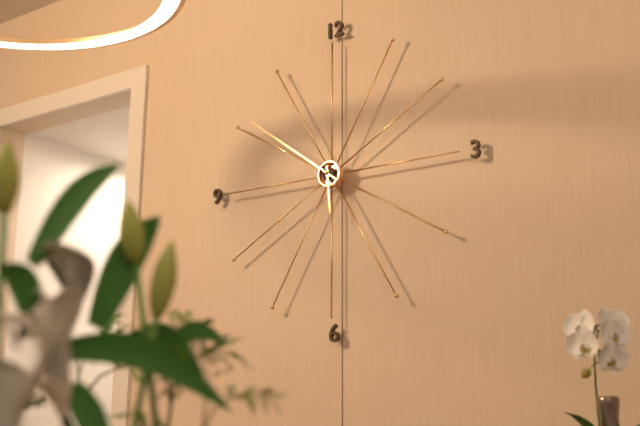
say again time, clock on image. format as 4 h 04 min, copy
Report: 5 h 51 min
